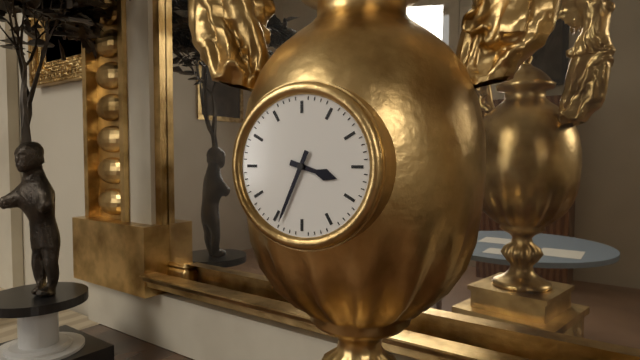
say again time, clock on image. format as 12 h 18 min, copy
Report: 3 h 34 min
